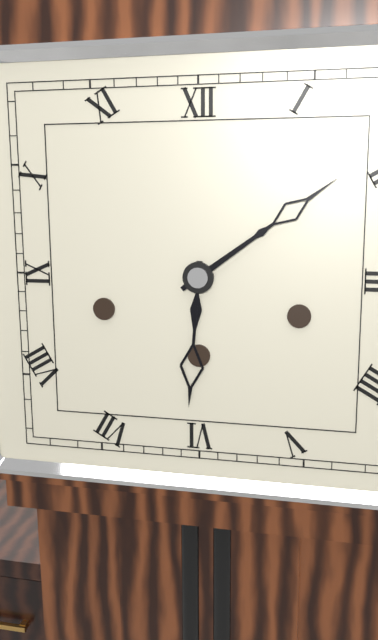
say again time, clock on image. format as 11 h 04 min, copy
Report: 6 h 09 min
